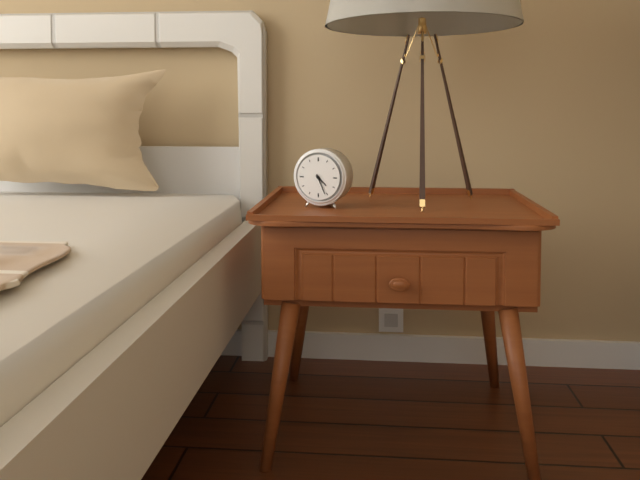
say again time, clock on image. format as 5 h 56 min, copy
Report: 4 h 26 min
